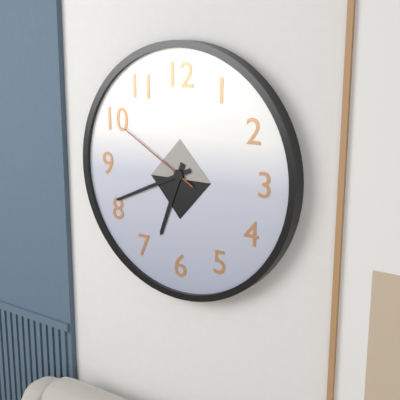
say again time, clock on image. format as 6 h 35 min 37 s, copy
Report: 6 h 41 min 50 s
